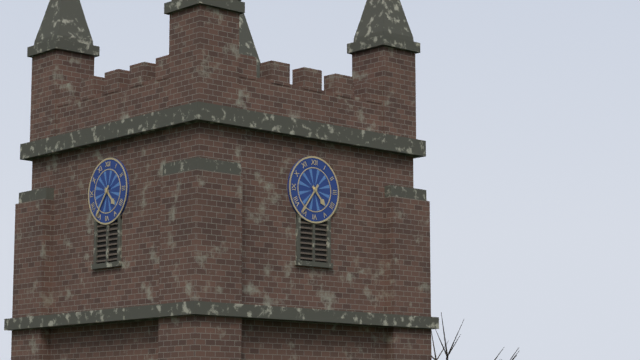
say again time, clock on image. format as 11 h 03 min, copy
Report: 4 h 36 min
